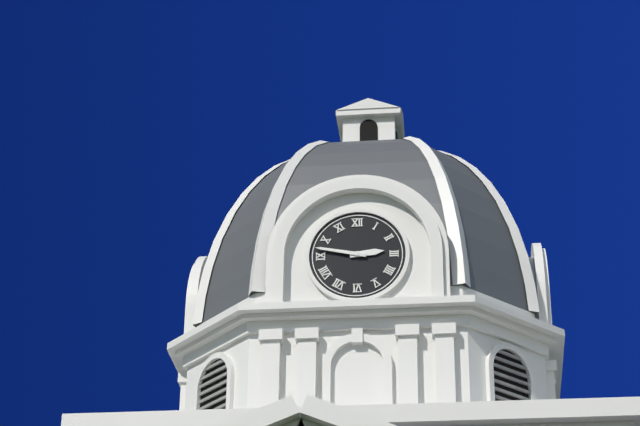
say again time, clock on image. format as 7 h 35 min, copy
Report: 2 h 47 min
